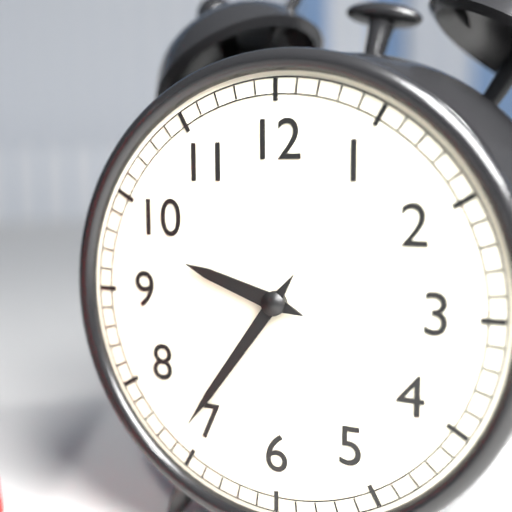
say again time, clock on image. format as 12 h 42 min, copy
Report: 9 h 36 min
